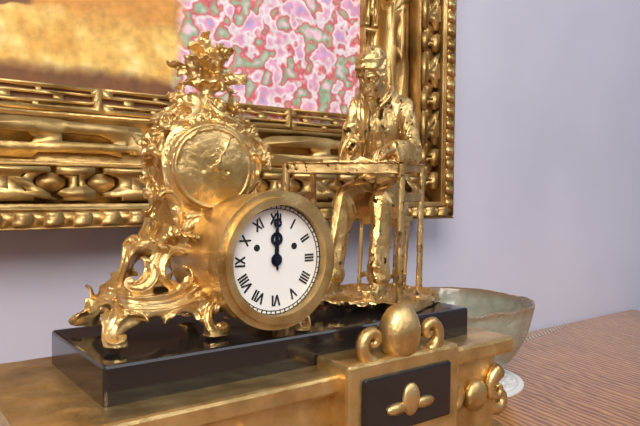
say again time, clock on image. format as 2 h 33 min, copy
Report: 12 h 00 min
